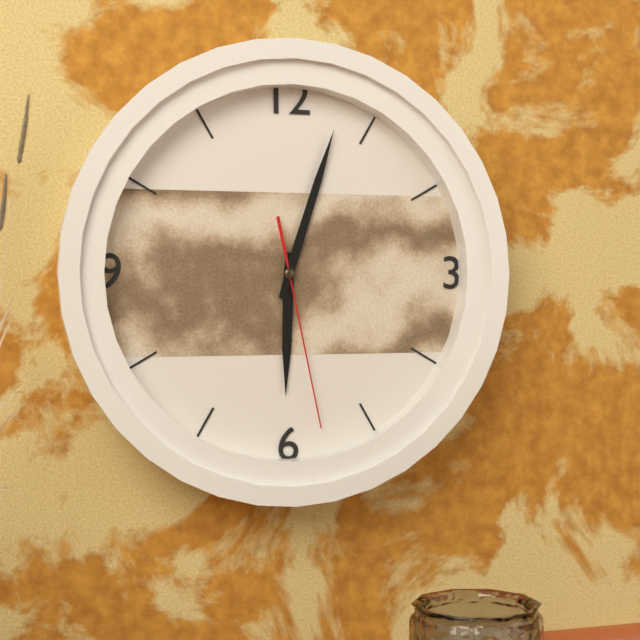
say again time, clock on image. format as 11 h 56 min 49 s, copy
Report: 6 h 03 min 28 s
